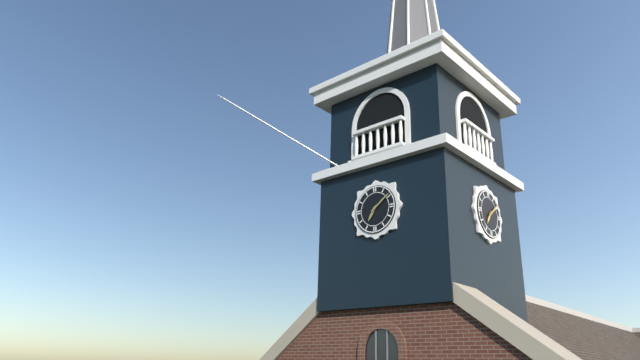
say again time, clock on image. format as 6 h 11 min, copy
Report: 7 h 09 min
